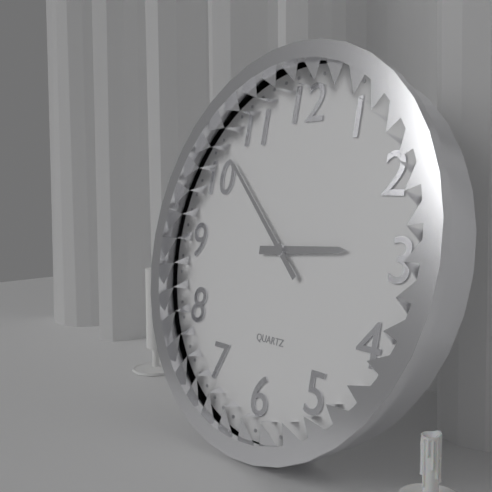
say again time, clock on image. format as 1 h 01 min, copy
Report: 2 h 52 min
